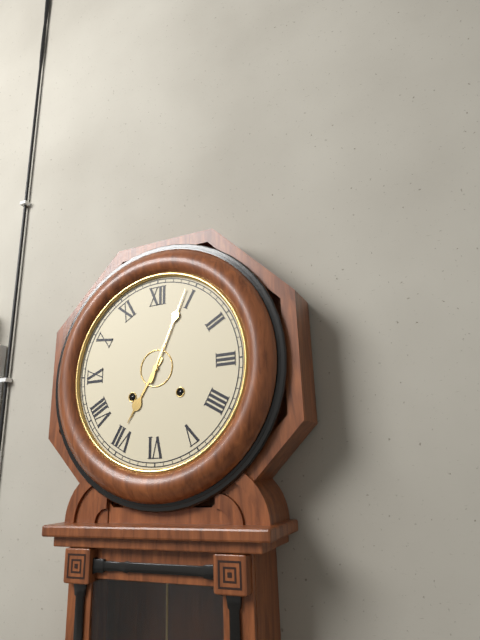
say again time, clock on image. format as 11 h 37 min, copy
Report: 7 h 04 min
